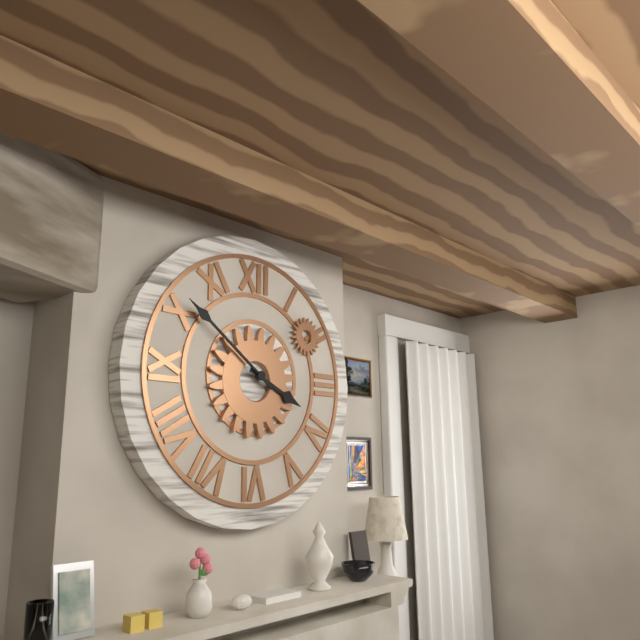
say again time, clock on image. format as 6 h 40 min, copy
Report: 3 h 51 min
